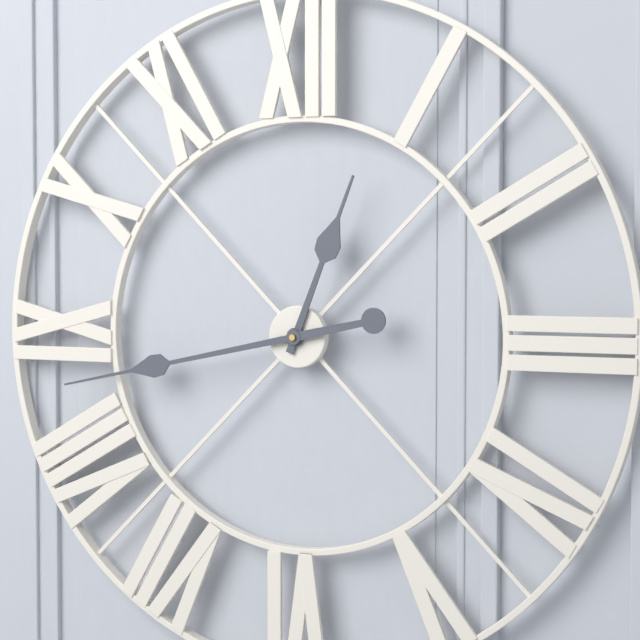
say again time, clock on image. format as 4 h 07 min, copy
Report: 12 h 43 min
